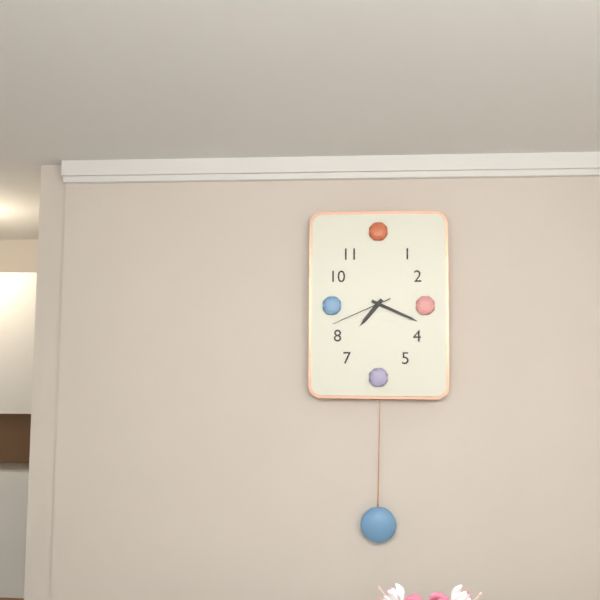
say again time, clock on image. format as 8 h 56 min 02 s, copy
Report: 7 h 19 min 41 s
